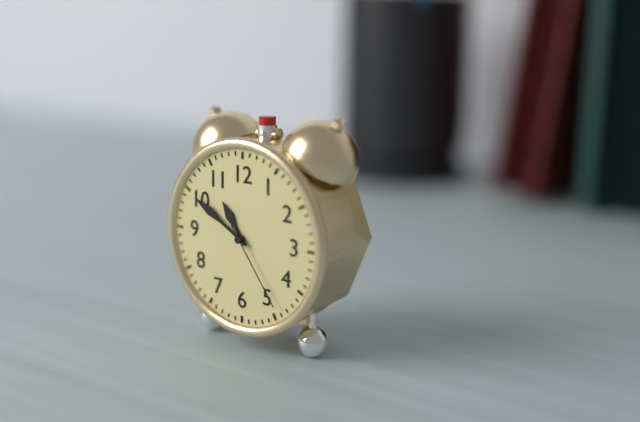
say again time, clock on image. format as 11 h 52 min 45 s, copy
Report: 10 h 50 min 24 s
